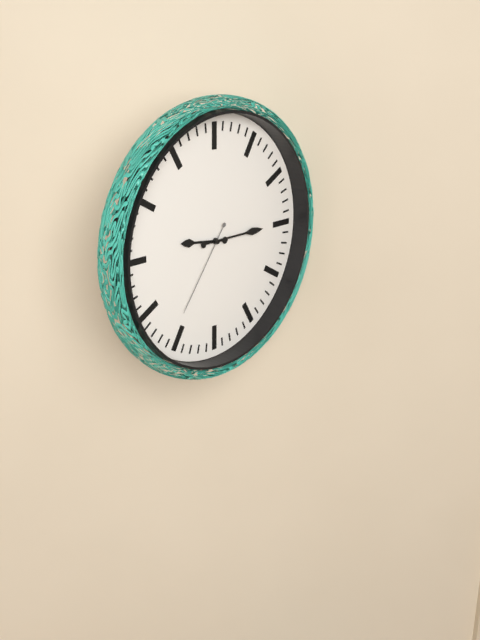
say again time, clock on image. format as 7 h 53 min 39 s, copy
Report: 9 h 15 min 36 s
